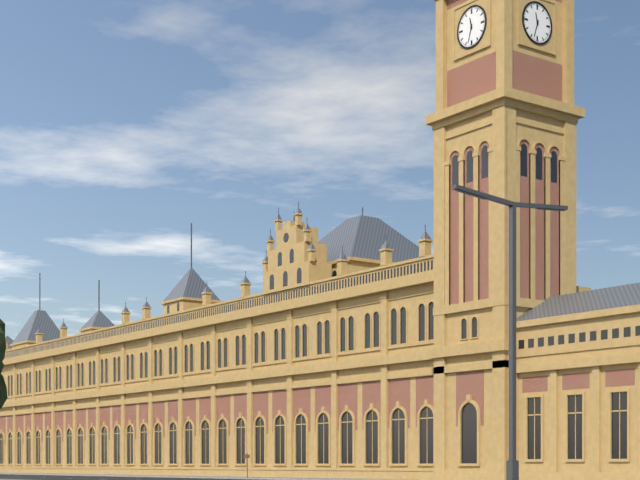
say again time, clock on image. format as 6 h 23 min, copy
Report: 11 h 33 min
